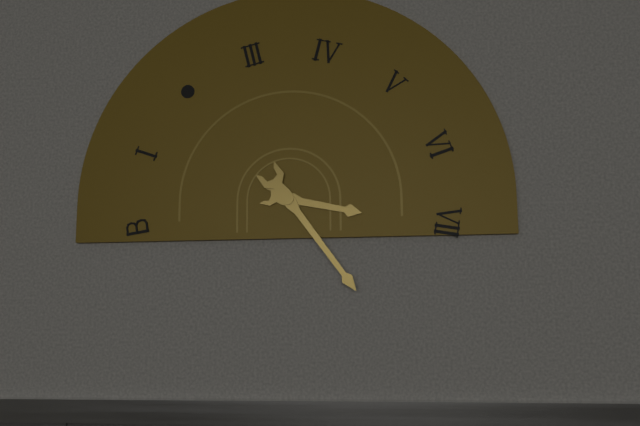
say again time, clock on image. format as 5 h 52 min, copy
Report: 3 h 24 min
